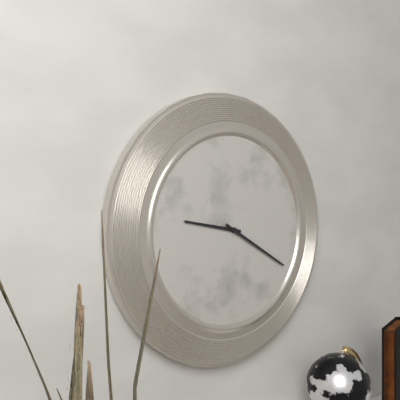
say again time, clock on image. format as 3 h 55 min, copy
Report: 9 h 20 min
